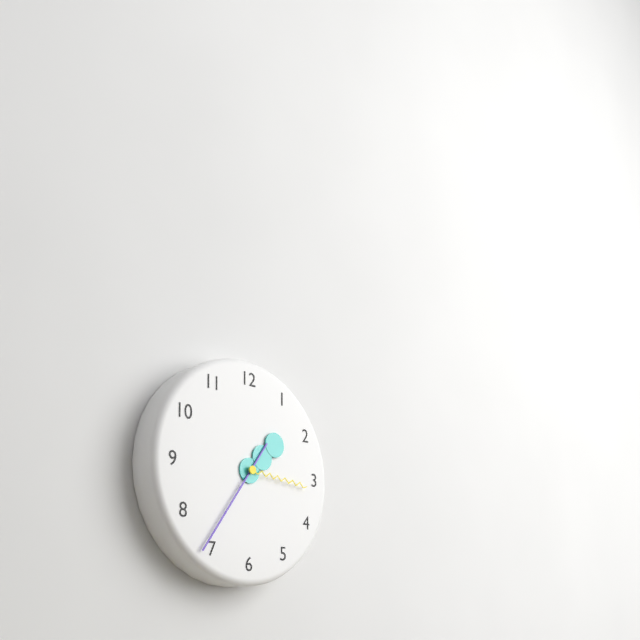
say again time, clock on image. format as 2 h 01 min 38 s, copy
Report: 1 h 36 min 16 s
